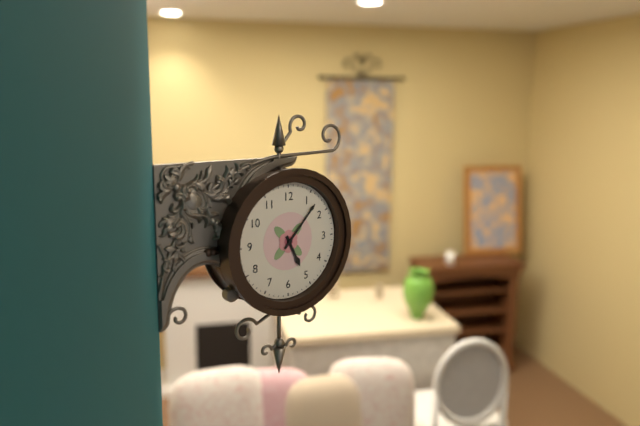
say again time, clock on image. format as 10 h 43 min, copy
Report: 5 h 07 min
